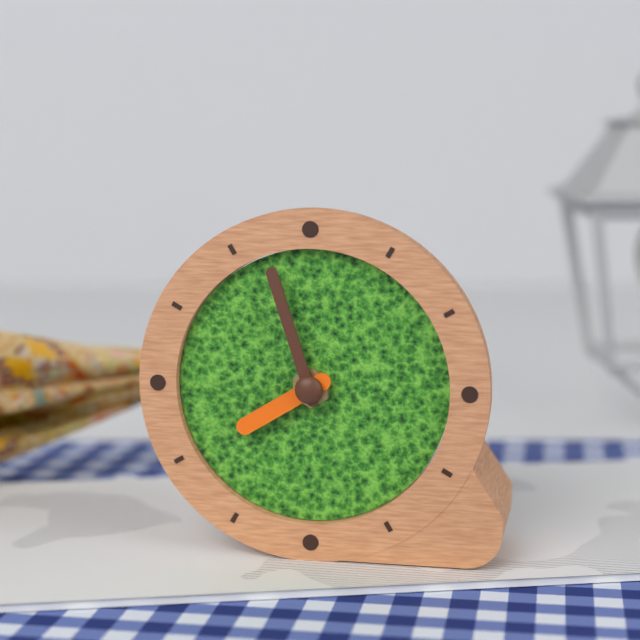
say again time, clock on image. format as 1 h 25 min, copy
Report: 7 h 57 min
